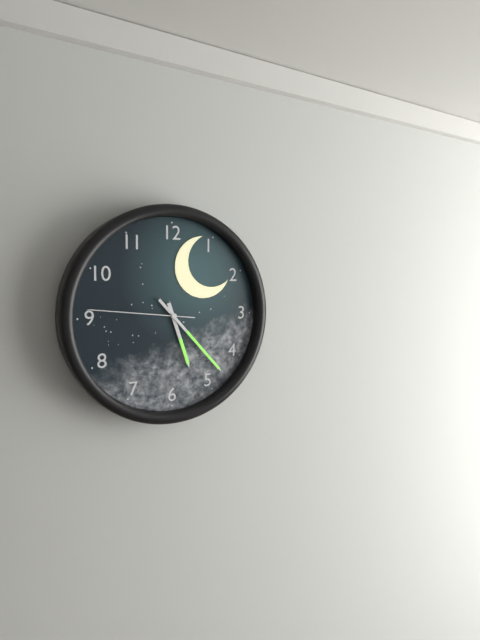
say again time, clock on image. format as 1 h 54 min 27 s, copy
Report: 5 h 23 min 46 s
